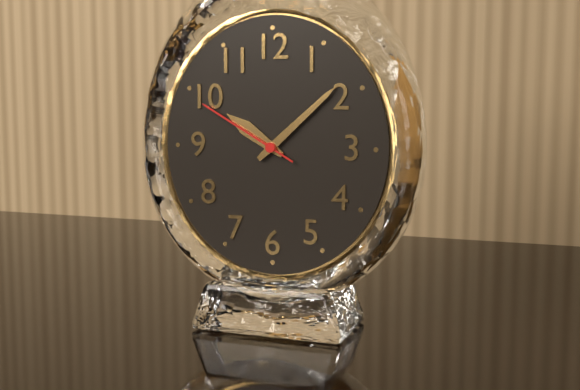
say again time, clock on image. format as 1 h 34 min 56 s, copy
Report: 10 h 08 min 50 s
